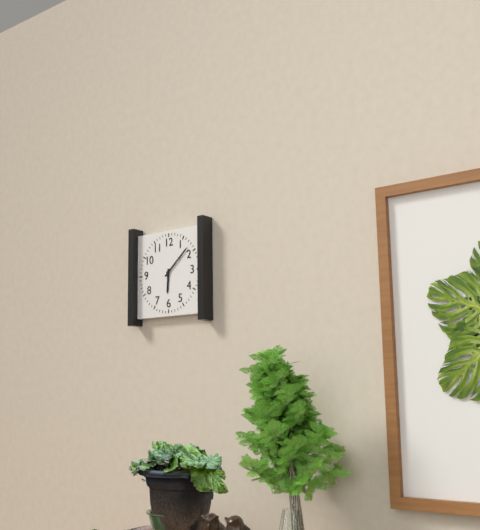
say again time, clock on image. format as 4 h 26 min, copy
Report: 6 h 08 min
